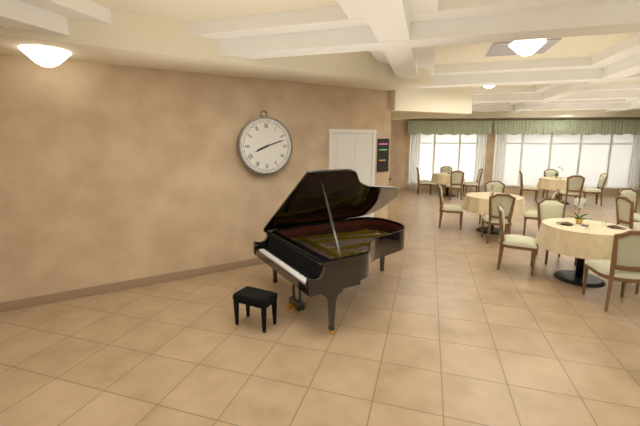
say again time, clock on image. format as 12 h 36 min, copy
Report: 8 h 12 min
